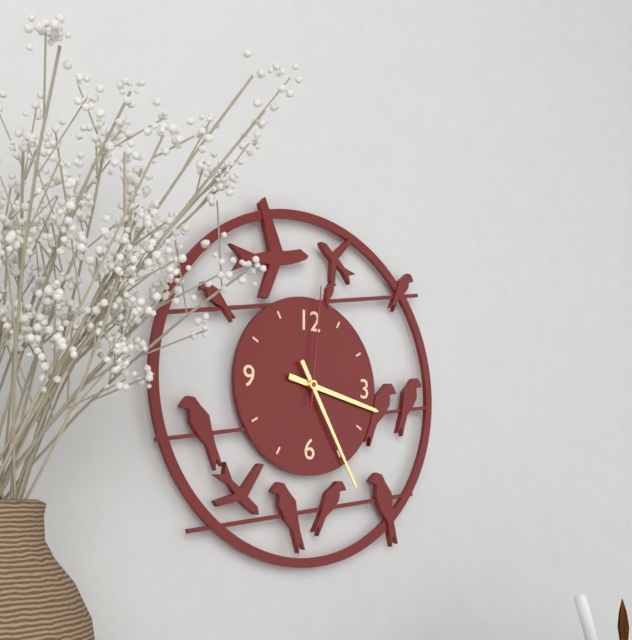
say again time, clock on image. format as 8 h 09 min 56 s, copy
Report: 3 h 25 min 01 s
